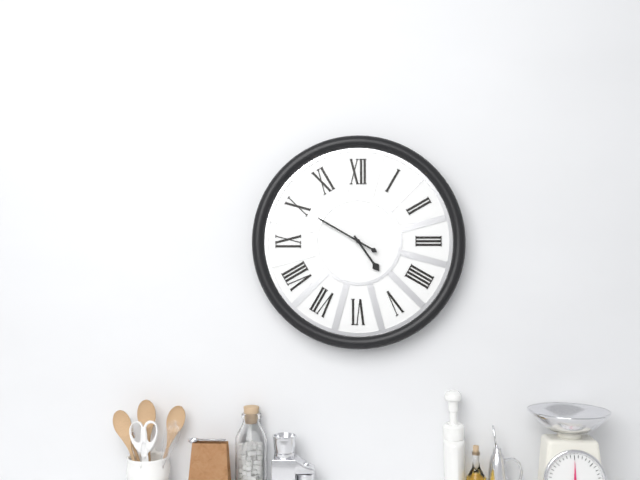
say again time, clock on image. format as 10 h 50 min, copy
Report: 4 h 50 min
